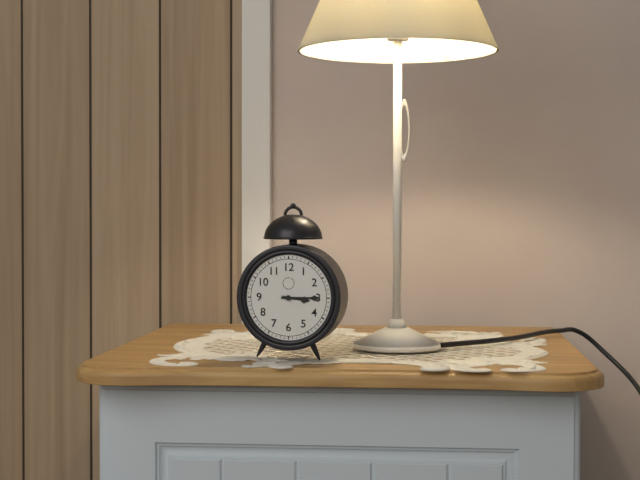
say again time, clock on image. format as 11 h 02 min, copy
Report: 3 h 15 min
